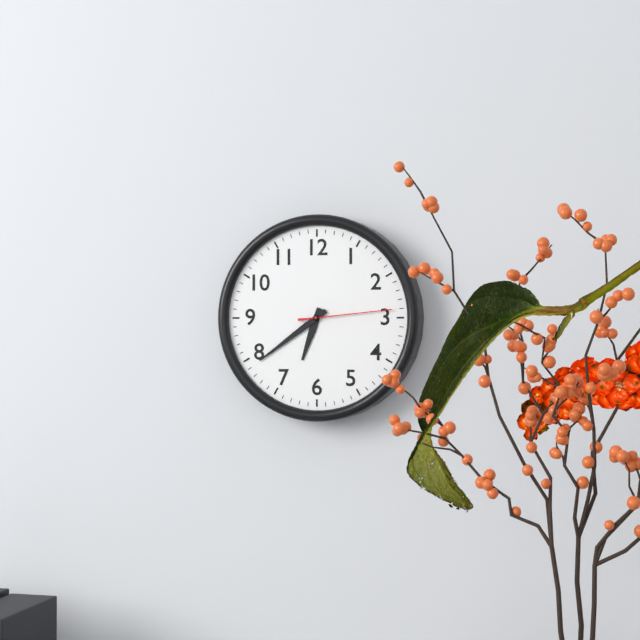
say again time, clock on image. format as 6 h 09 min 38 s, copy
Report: 6 h 39 min 14 s
